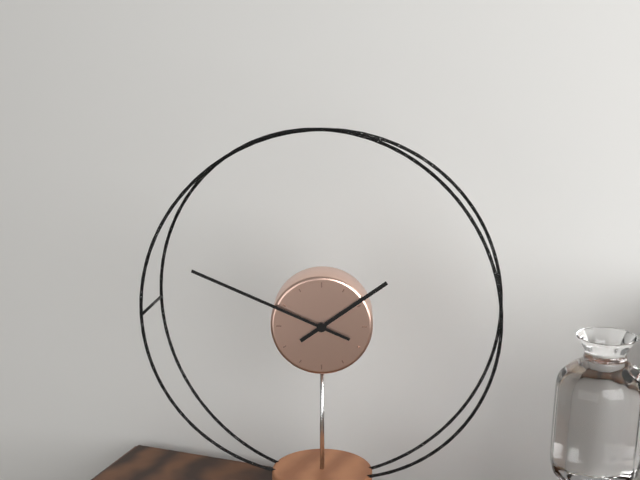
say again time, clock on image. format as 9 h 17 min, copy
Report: 1 h 49 min
